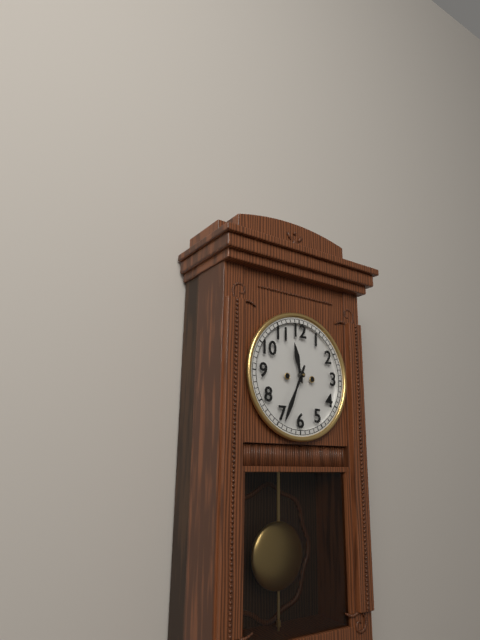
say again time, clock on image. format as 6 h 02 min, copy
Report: 11 h 34 min
